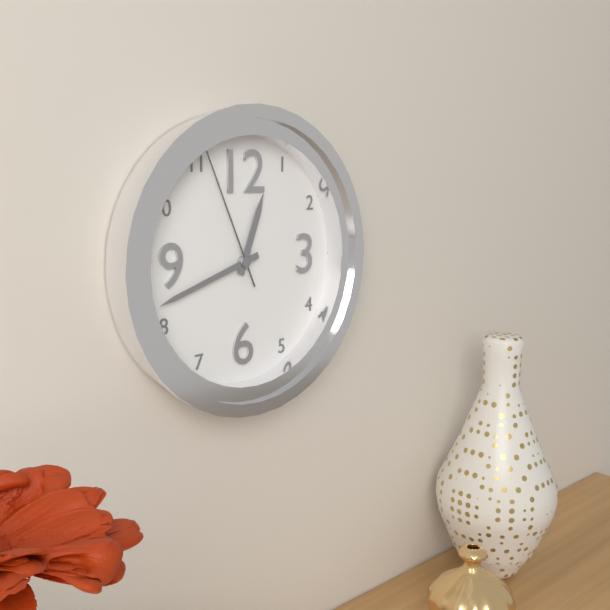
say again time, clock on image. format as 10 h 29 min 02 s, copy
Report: 12 h 42 min 56 s
